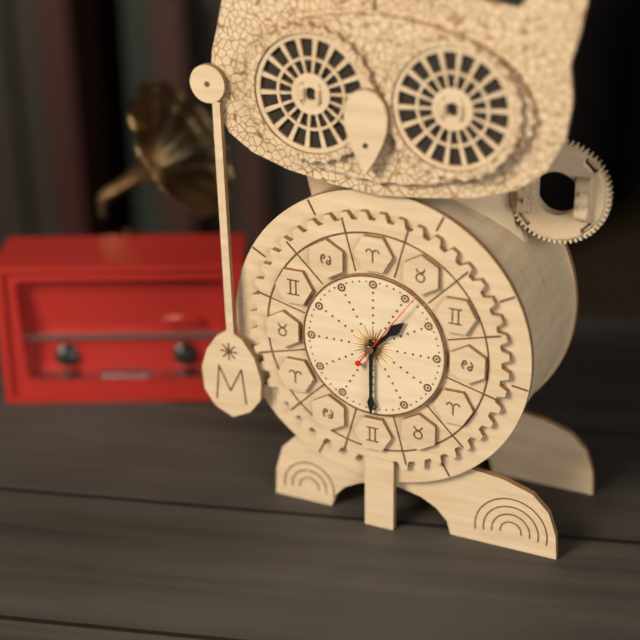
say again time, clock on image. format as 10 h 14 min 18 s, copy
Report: 1 h 30 min 06 s
